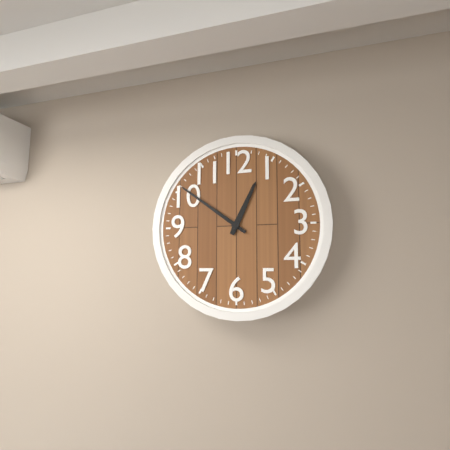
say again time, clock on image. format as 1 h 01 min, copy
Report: 12 h 51 min
